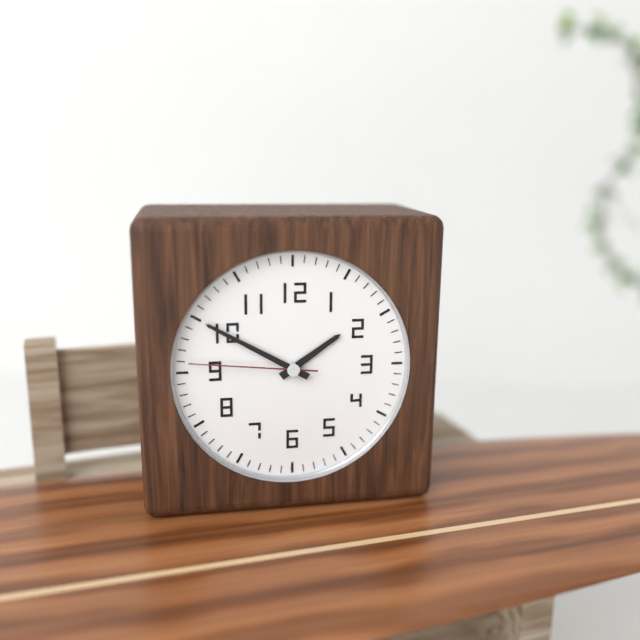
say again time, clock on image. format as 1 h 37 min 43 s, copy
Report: 1 h 50 min 46 s
